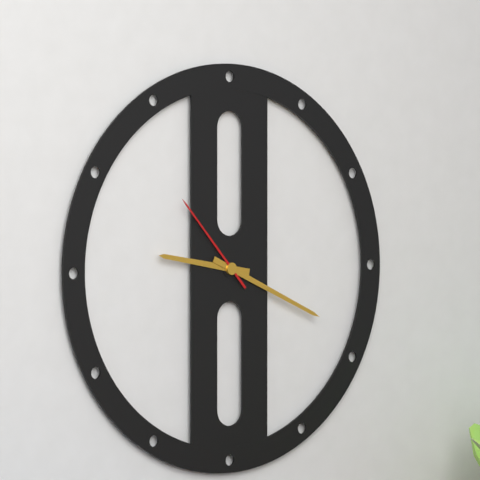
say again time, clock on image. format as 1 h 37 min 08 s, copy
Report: 9 h 19 min 53 s
